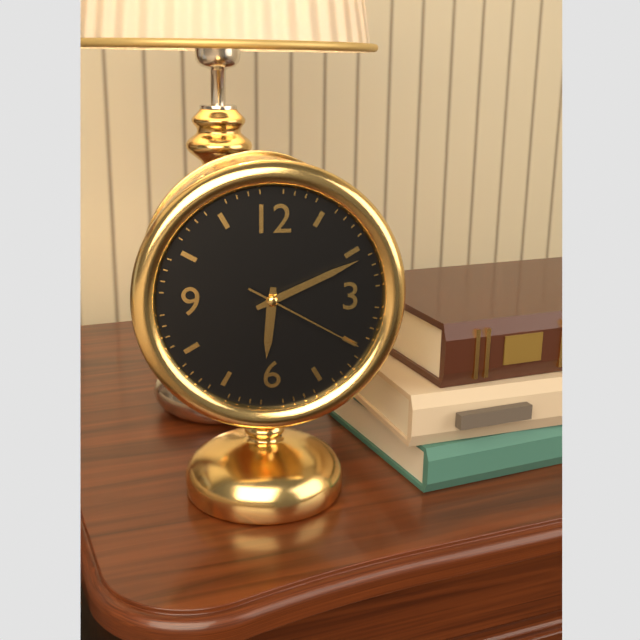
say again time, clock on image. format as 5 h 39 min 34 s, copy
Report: 6 h 11 min 20 s
